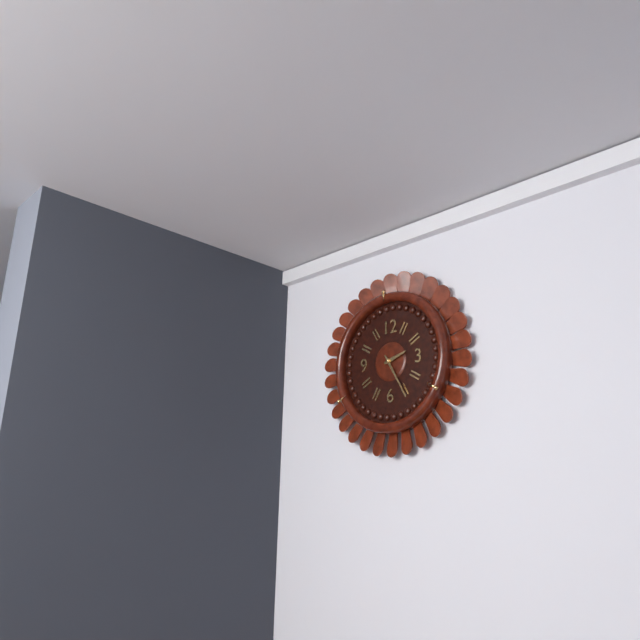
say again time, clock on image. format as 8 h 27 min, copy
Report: 2 h 25 min
